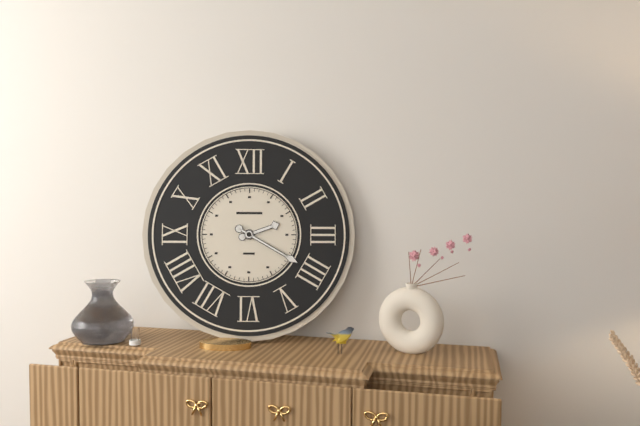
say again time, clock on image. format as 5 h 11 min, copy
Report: 2 h 20 min
